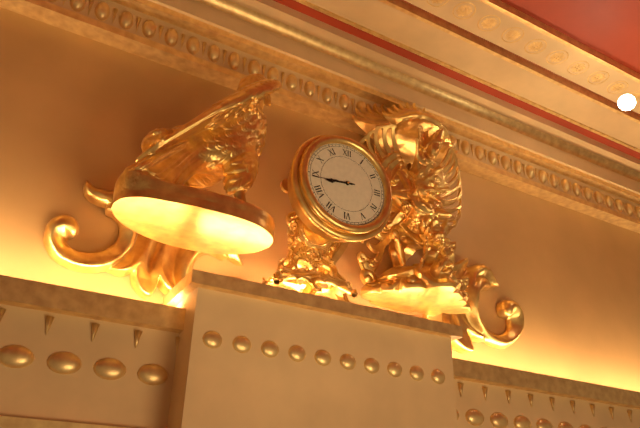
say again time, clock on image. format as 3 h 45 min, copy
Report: 8 h 44 min
